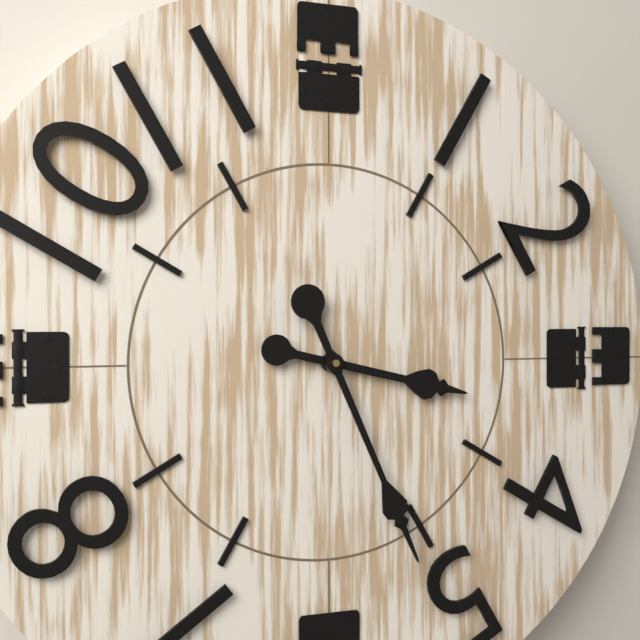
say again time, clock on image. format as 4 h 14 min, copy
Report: 3 h 26 min
